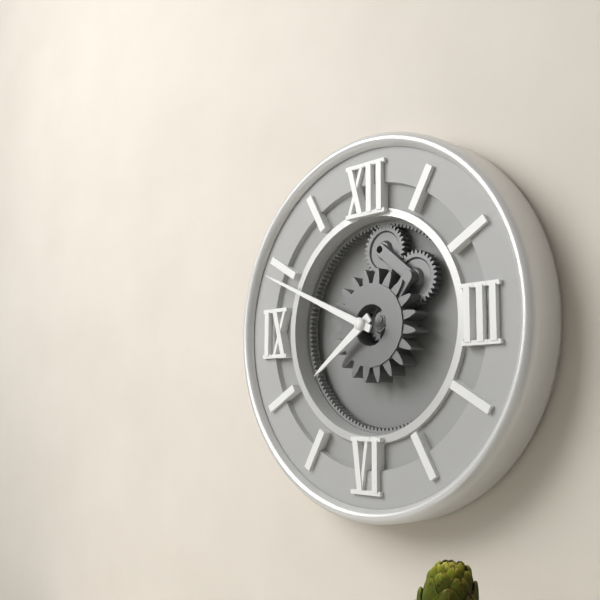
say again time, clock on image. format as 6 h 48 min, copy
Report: 7 h 49 min
